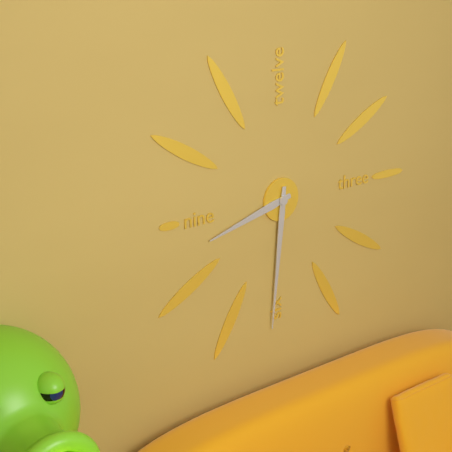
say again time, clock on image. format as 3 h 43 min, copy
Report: 8 h 31 min
